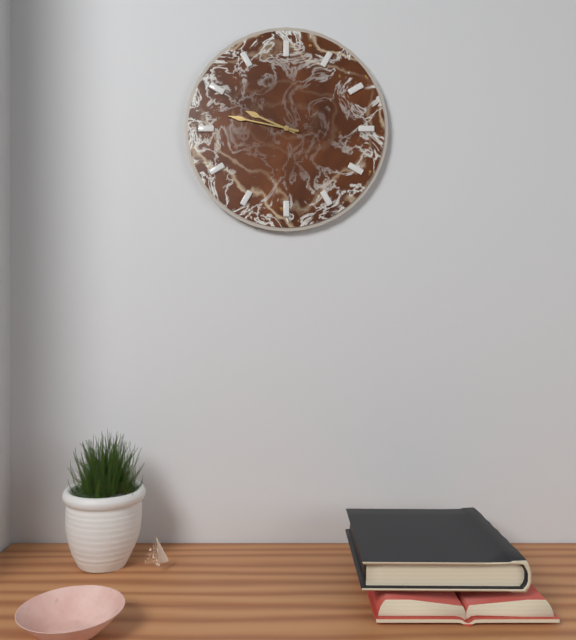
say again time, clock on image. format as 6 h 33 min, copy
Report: 9 h 47 min
